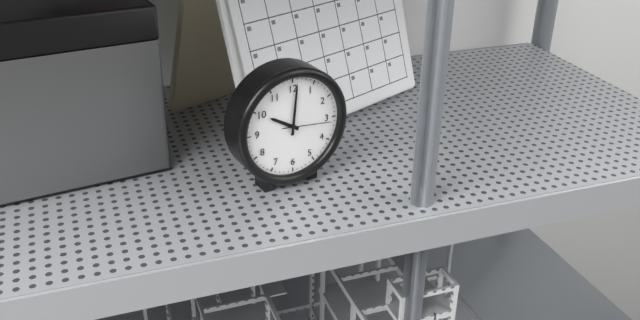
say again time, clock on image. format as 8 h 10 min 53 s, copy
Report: 10 h 01 min 16 s
